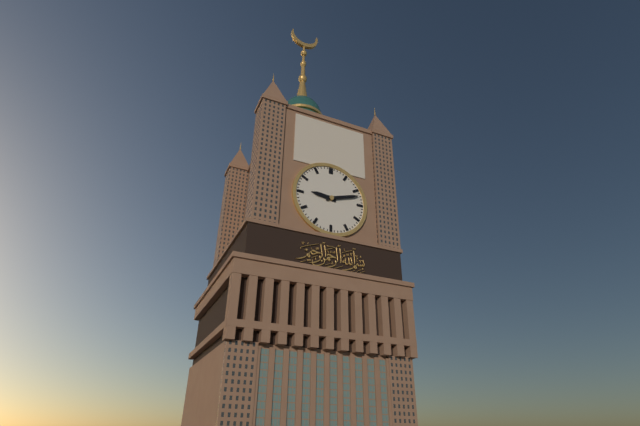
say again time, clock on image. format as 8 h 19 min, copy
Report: 9 h 12 min
